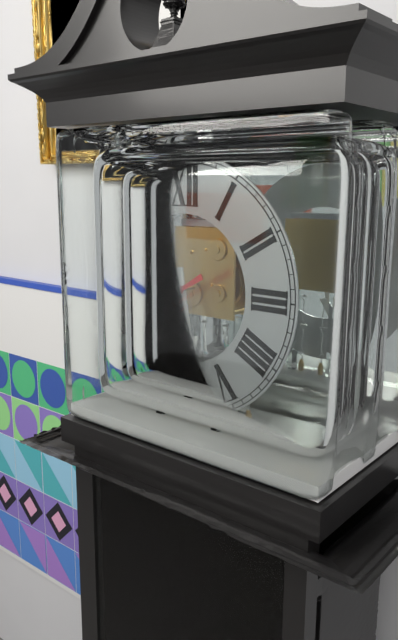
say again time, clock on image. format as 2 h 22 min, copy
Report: 5 h 40 min
